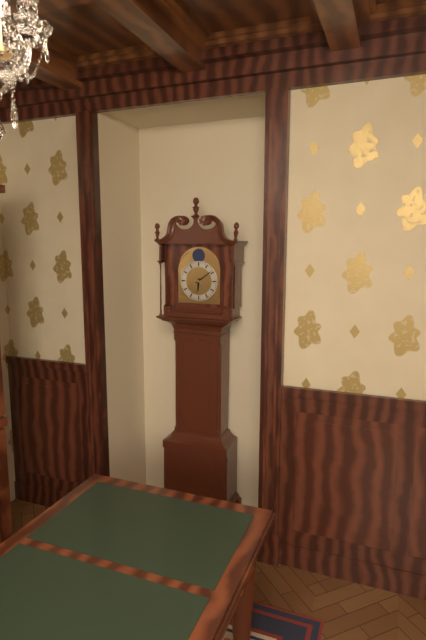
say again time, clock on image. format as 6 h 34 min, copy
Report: 6 h 09 min
